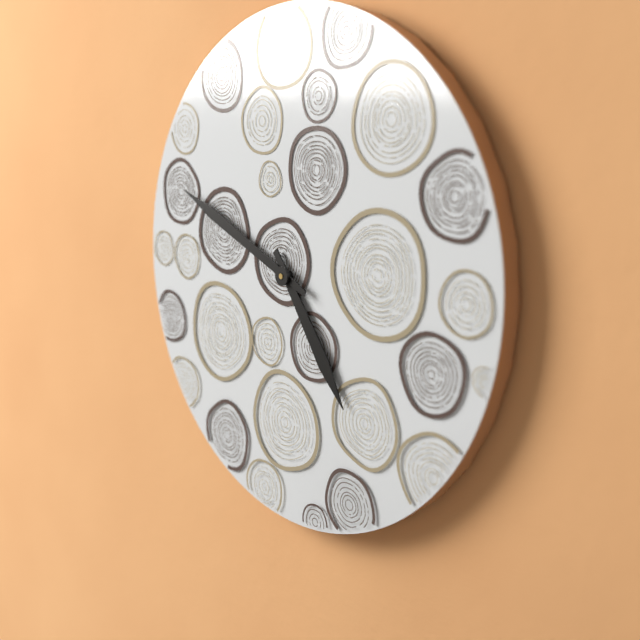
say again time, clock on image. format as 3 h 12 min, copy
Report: 4 h 49 min
